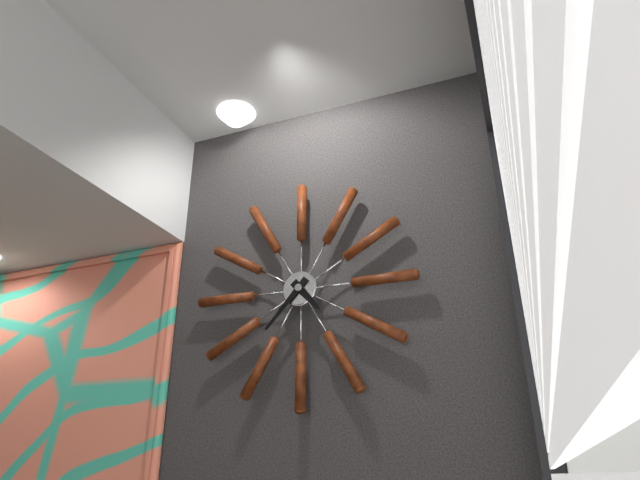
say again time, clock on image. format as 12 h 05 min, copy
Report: 4 h 37 min
